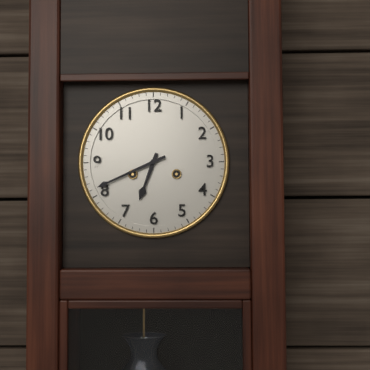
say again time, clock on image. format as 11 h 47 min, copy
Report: 6 h 41 min
